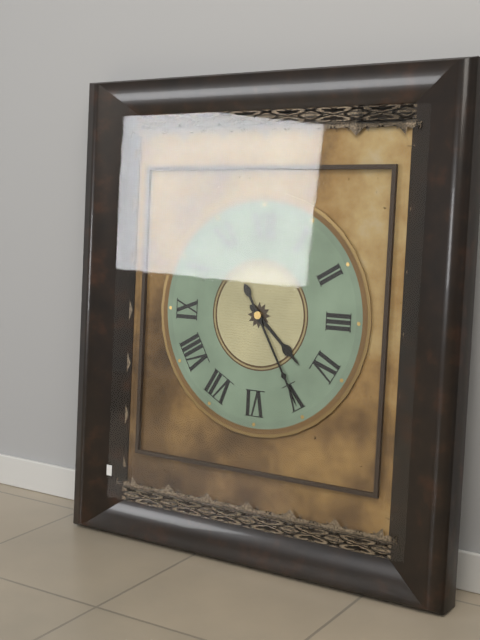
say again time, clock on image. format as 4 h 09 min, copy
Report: 4 h 25 min
